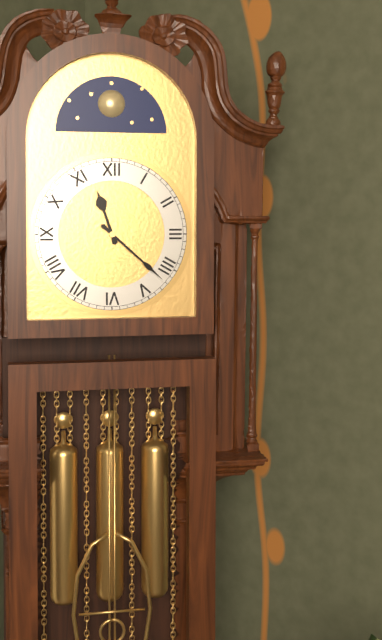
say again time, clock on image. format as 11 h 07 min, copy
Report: 11 h 22 min
